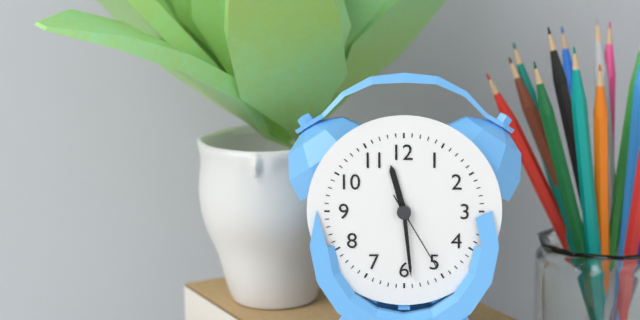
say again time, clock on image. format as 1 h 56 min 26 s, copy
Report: 11 h 29 min 25 s
